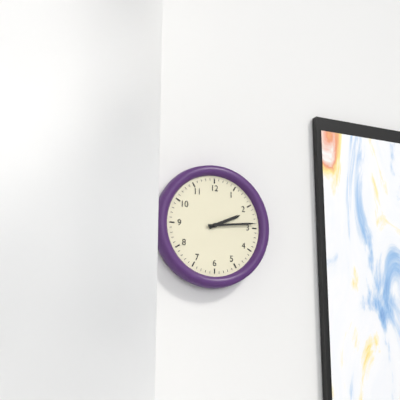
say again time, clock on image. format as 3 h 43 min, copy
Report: 2 h 14 min
